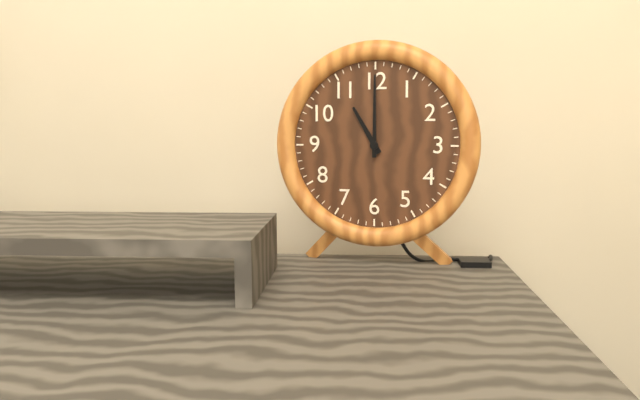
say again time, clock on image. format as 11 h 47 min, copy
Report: 11 h 00 min
